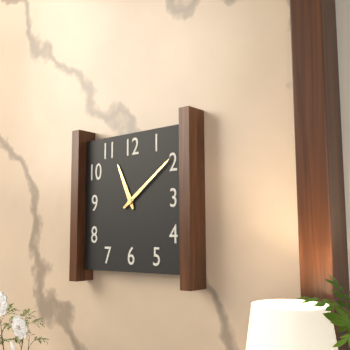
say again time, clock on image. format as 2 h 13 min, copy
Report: 11 h 09 min
